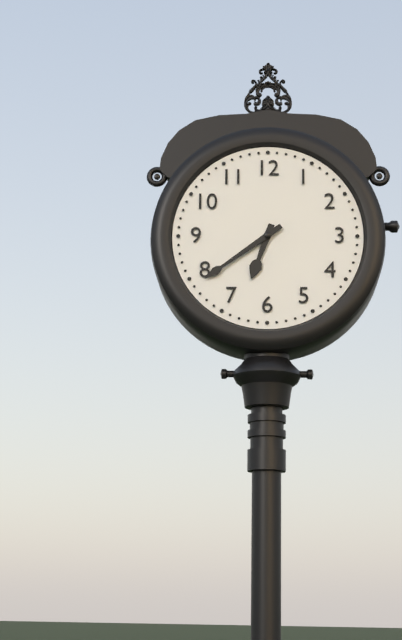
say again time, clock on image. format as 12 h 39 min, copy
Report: 6 h 39 min
